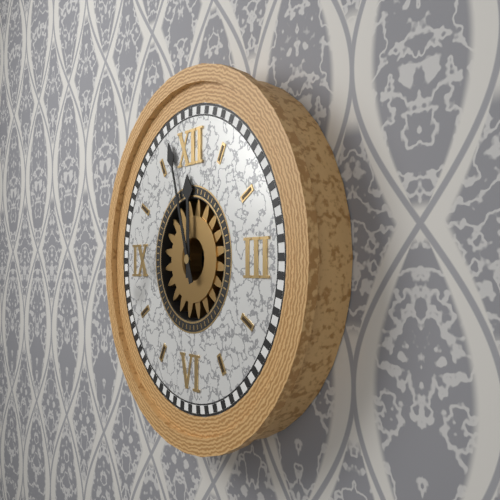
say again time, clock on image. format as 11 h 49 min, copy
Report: 11 h 57 min
